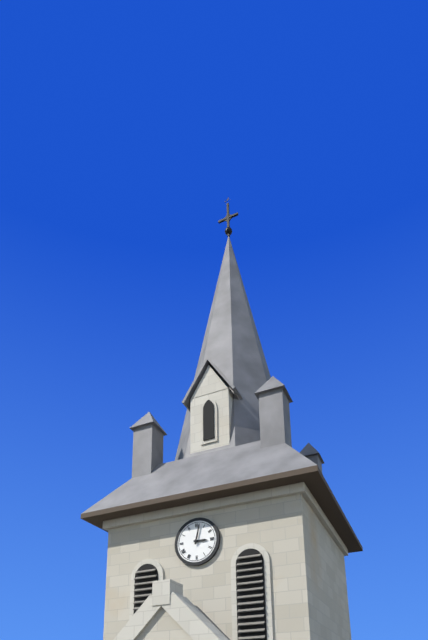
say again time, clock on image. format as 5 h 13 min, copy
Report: 3 h 02 min
